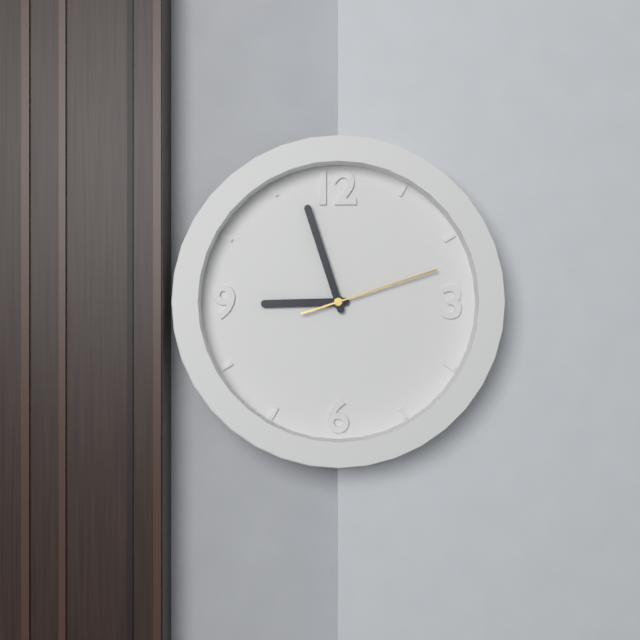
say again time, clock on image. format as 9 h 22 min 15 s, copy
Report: 8 h 57 min 12 s
